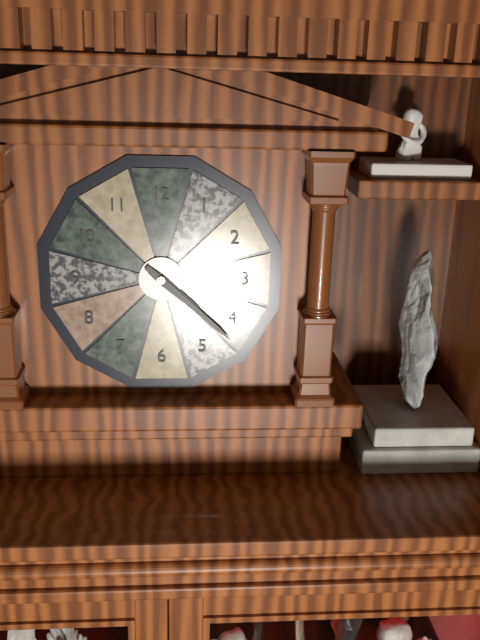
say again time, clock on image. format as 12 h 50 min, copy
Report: 4 h 22 min
